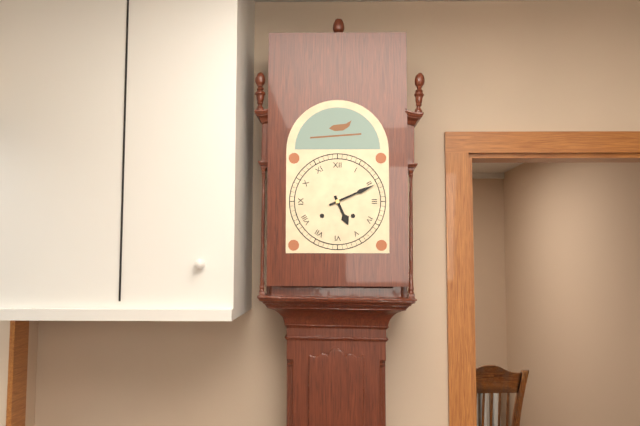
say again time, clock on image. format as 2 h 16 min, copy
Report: 5 h 11 min
